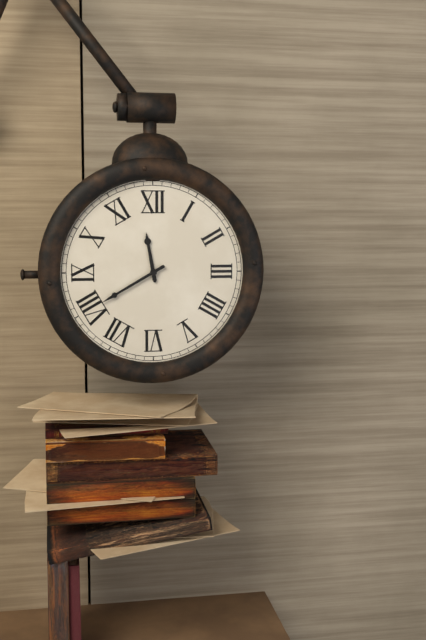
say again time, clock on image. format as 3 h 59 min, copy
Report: 11 h 40 min
